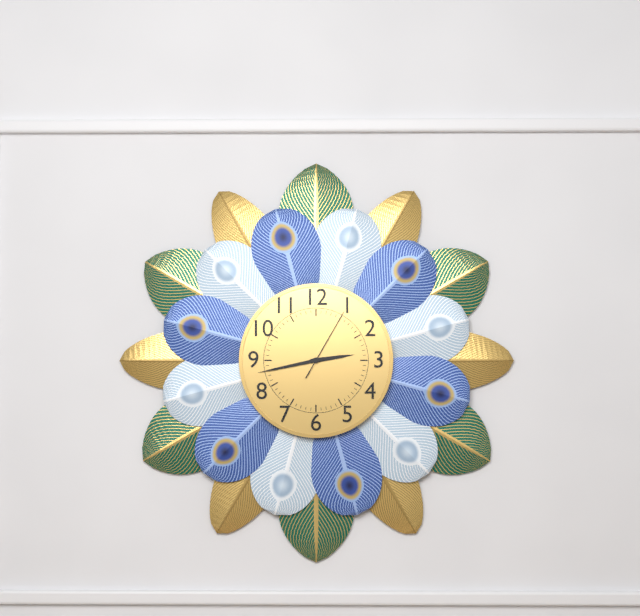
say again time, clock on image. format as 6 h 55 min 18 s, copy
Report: 2 h 43 min 05 s
